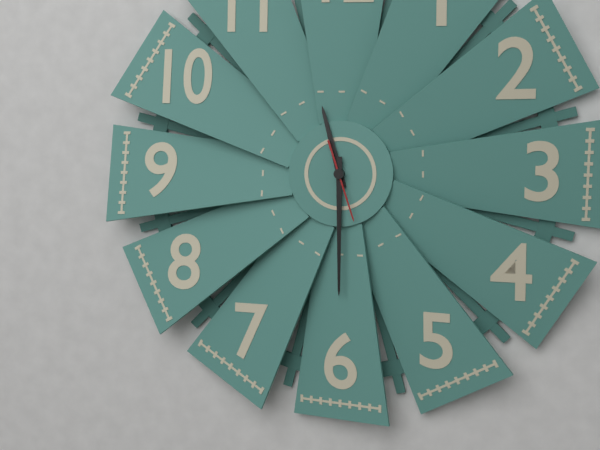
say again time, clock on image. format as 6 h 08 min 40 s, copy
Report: 11 h 30 min 27 s
